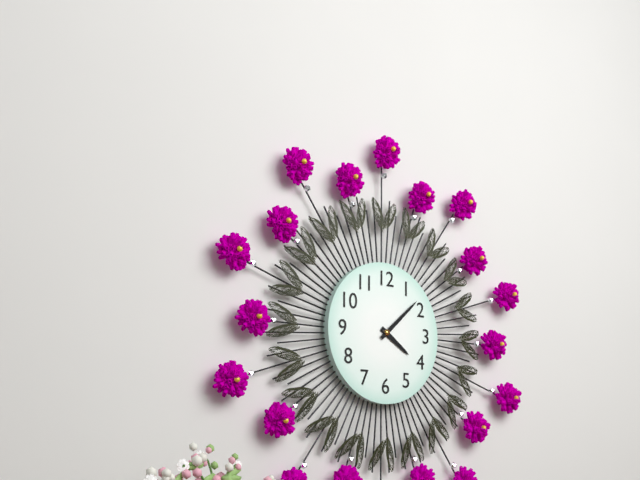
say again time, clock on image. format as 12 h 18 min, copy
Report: 4 h 08 min
